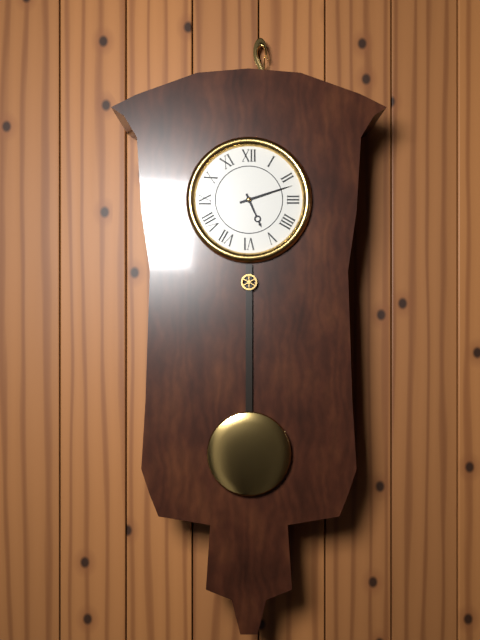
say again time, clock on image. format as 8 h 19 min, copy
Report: 5 h 12 min
